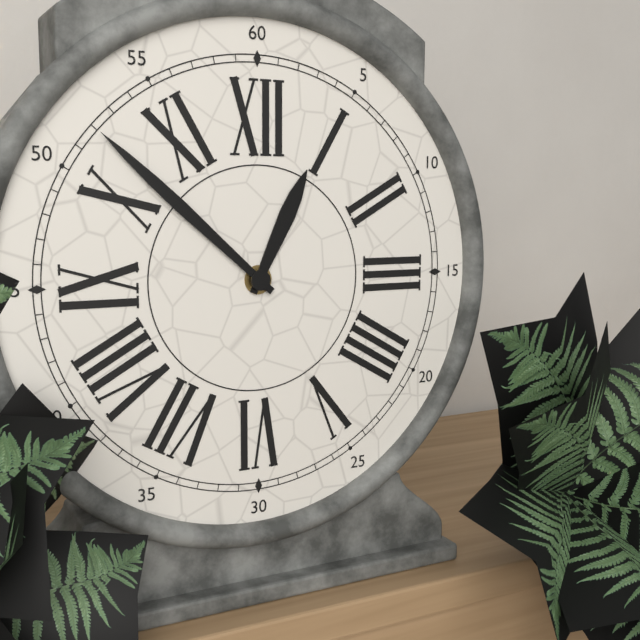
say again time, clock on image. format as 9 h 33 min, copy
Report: 12 h 52 min
